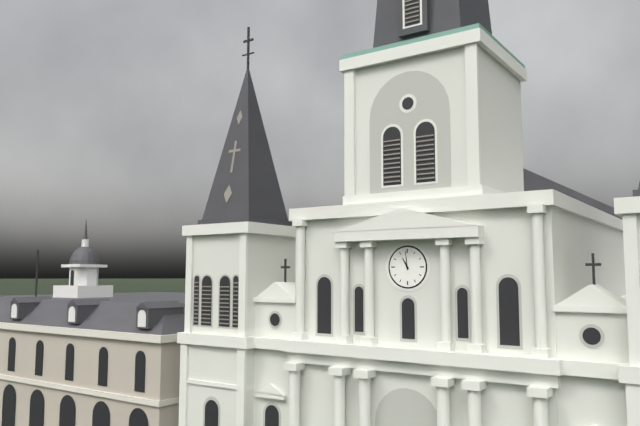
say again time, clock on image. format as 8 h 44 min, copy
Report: 10 h 59 min
